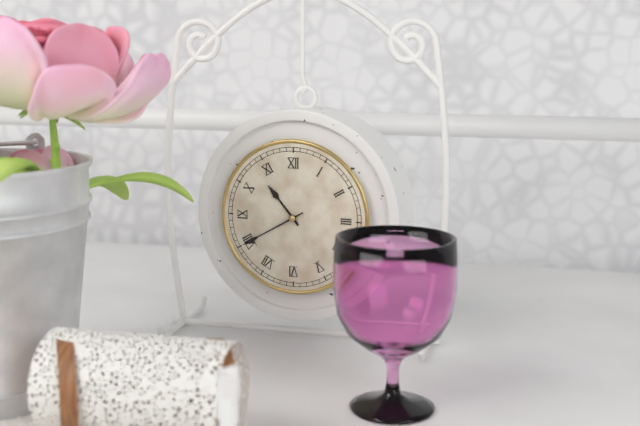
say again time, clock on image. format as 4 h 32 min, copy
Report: 10 h 40 min
